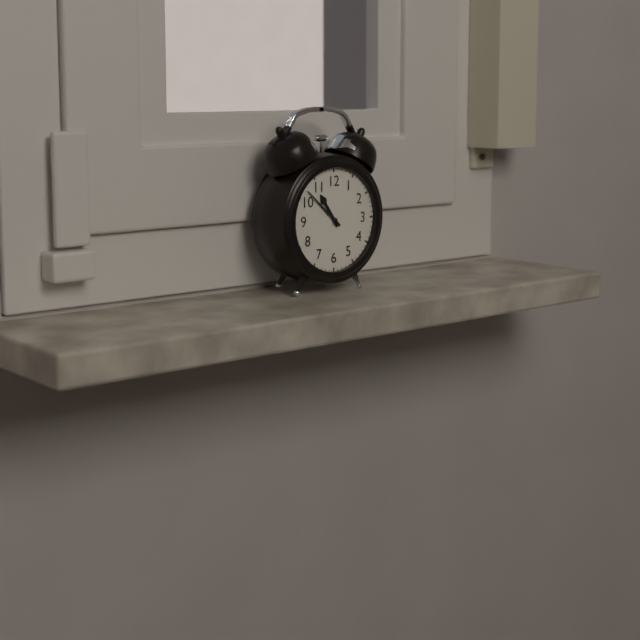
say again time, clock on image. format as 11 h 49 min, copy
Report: 10 h 52 min
